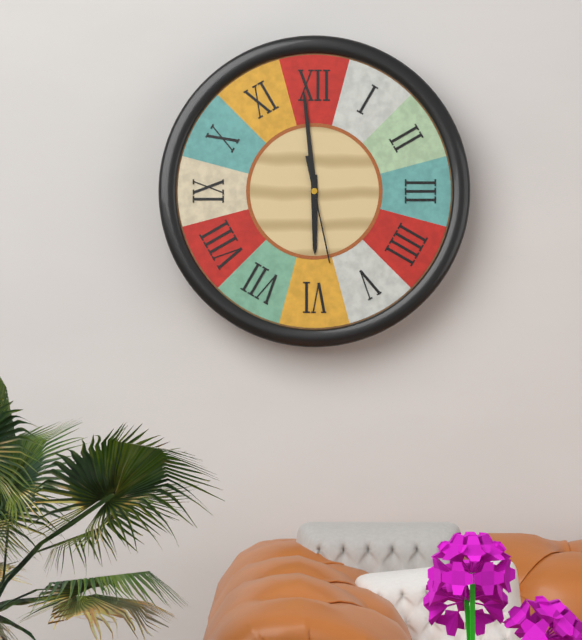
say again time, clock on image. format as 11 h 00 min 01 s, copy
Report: 5 h 59 min 28 s
